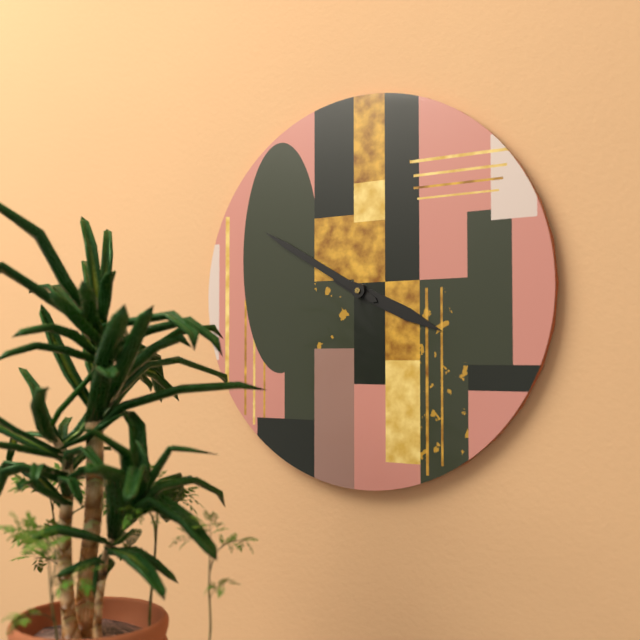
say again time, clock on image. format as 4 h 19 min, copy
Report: 3 h 50 min
